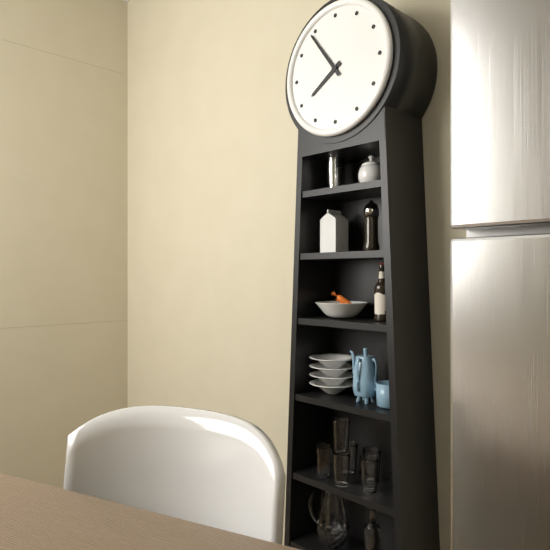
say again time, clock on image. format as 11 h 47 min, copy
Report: 7 h 54 min
